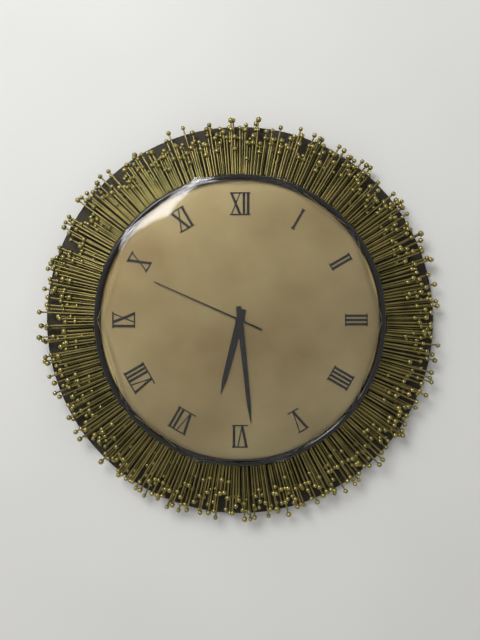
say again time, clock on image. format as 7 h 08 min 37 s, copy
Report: 6 h 29 min 49 s
